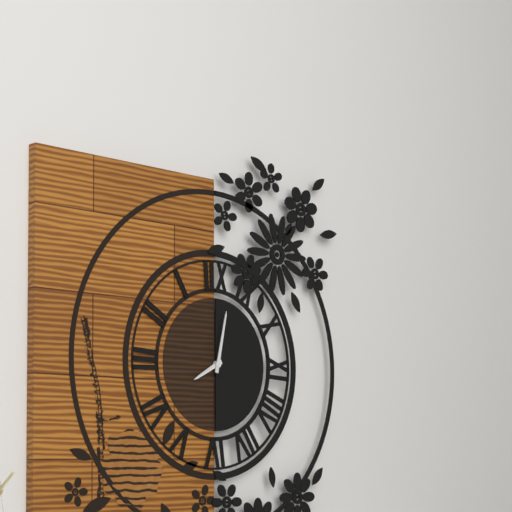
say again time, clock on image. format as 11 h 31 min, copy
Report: 8 h 02 min
